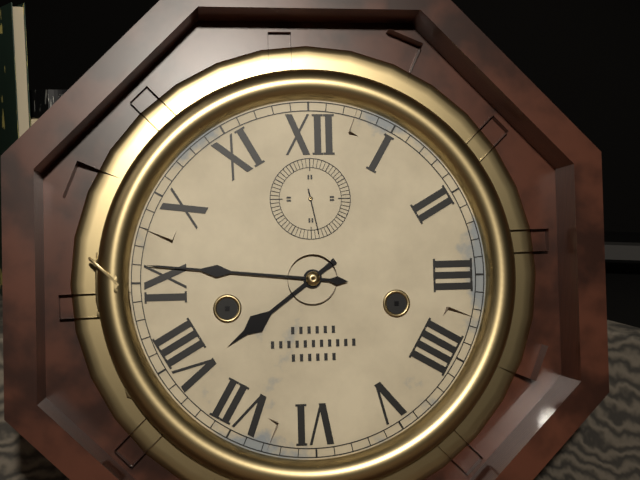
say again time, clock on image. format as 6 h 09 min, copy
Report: 7 h 46 min
